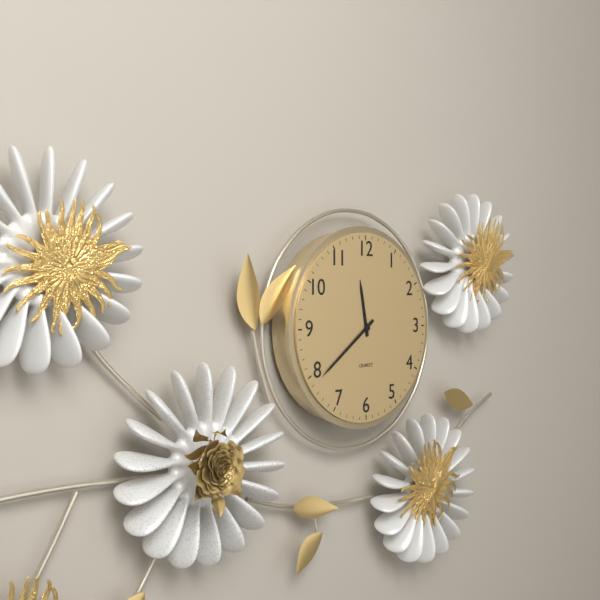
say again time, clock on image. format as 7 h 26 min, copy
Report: 11 h 39 min
